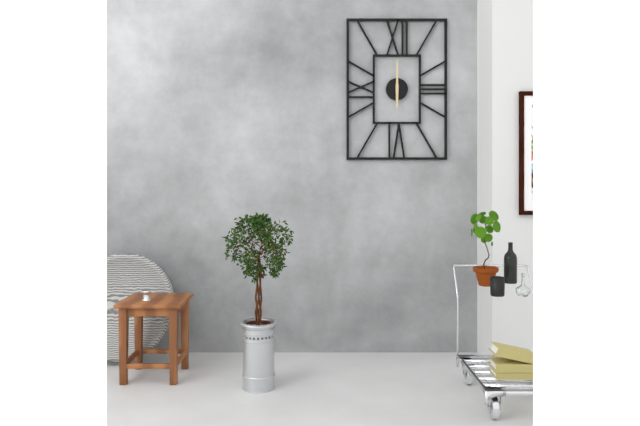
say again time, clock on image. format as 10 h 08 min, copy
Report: 6 h 00 min
